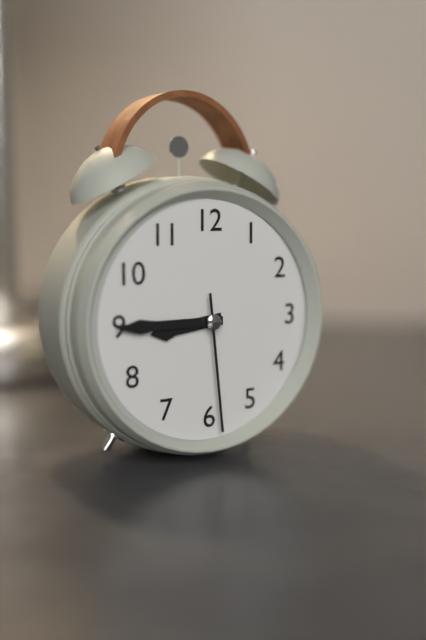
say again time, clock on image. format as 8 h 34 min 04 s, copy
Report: 8 h 45 min 29 s
